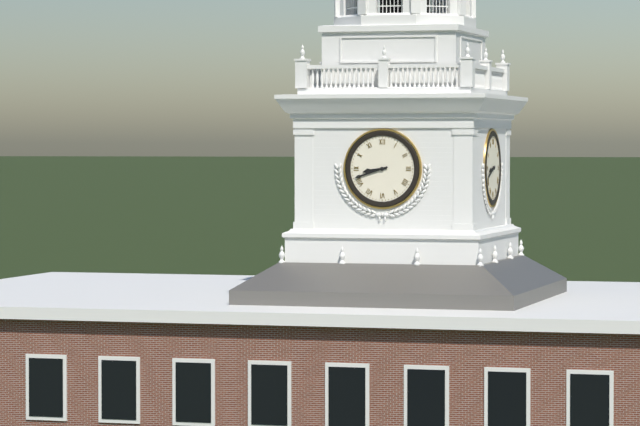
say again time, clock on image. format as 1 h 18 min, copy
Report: 8 h 42 min
